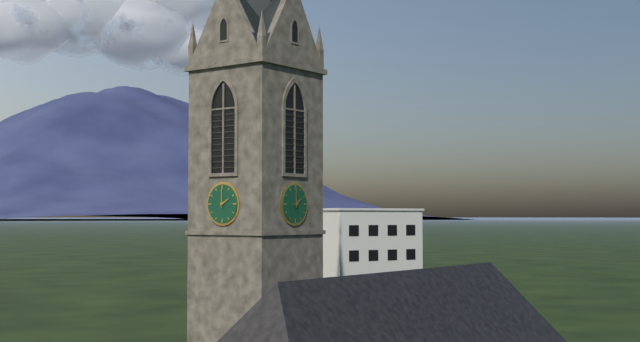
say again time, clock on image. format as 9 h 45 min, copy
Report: 2 h 00 min
